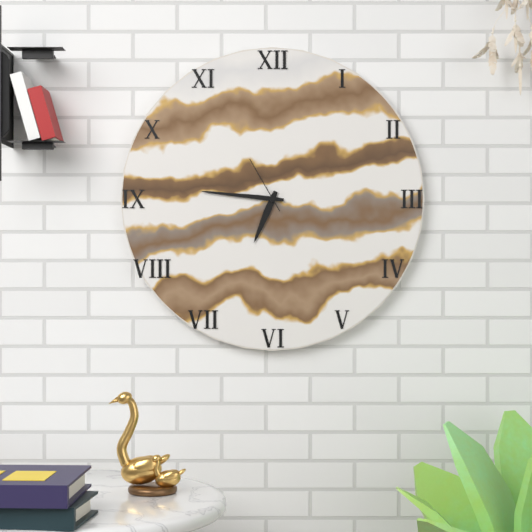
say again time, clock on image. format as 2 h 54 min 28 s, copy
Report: 6 h 46 min 55 s
